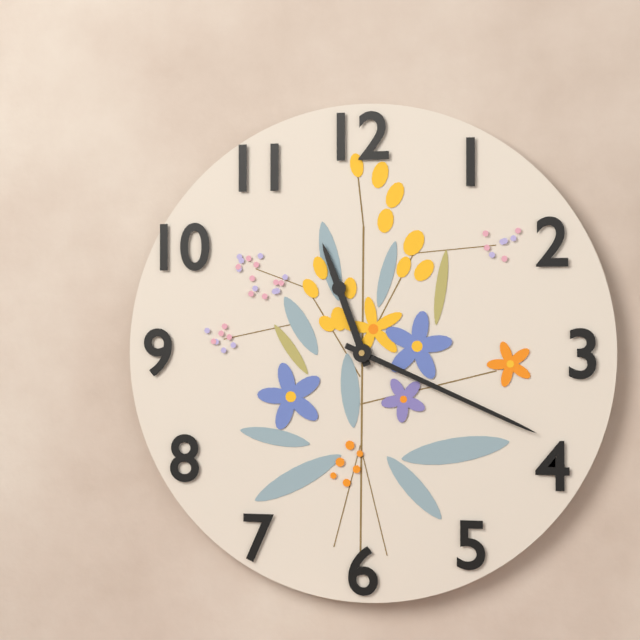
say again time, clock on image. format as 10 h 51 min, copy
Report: 11 h 19 min
